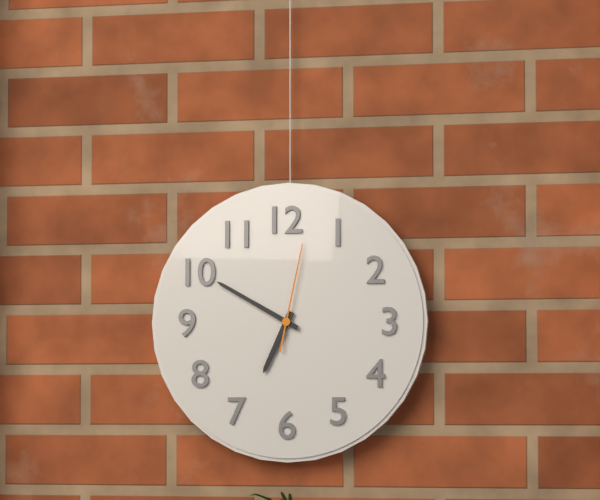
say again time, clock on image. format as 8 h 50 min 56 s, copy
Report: 6 h 50 min 02 s
